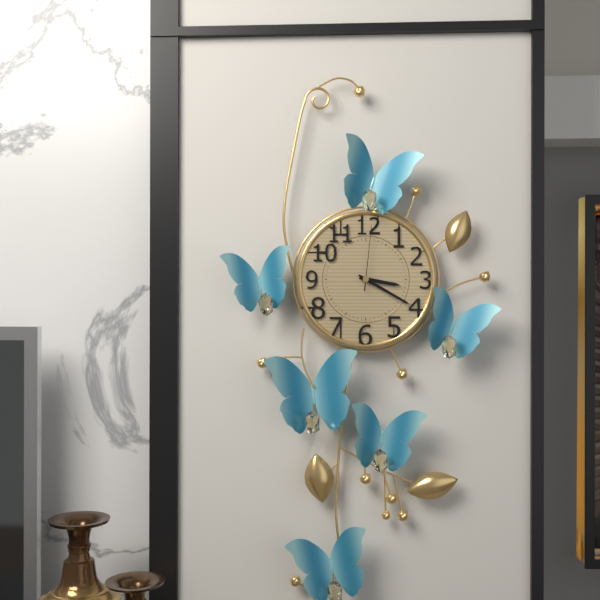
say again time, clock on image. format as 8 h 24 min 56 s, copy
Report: 3 h 20 min 01 s
